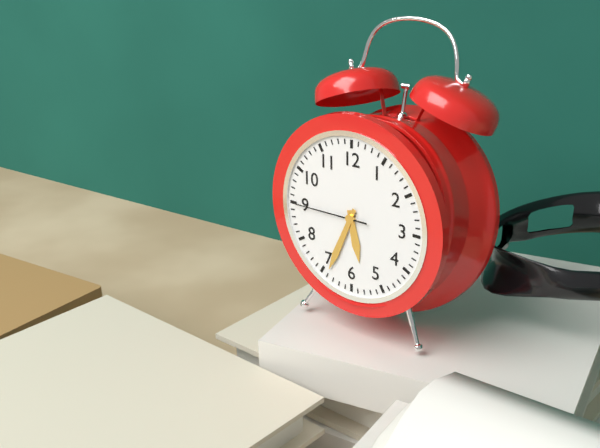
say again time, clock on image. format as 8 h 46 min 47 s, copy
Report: 5 h 34 min 45 s
